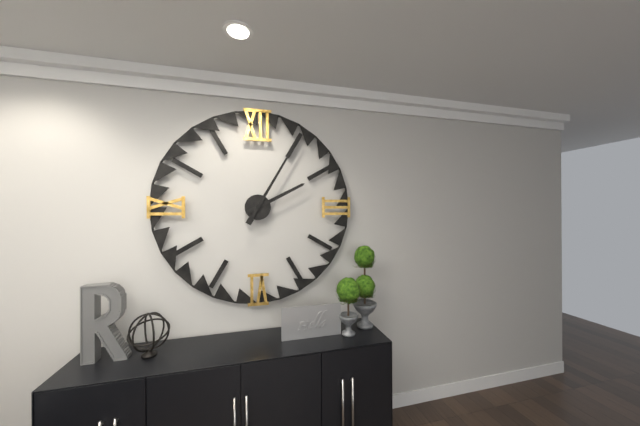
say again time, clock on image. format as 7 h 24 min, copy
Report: 2 h 05 min
